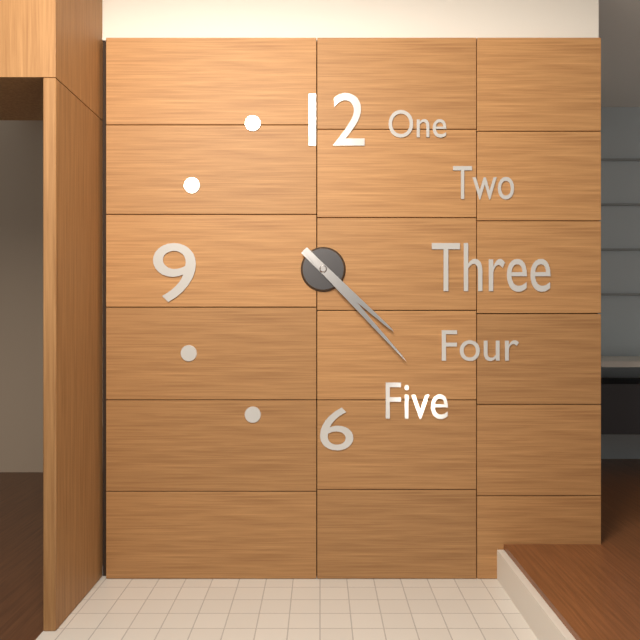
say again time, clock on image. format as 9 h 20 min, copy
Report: 4 h 23 min
